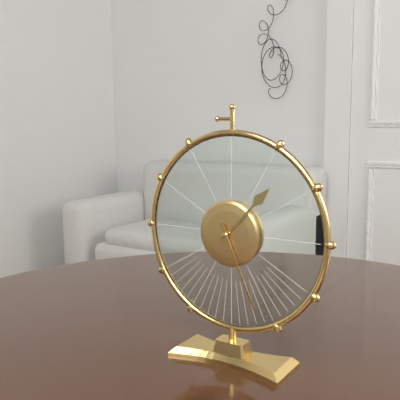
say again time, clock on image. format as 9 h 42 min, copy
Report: 1 h 26 min
